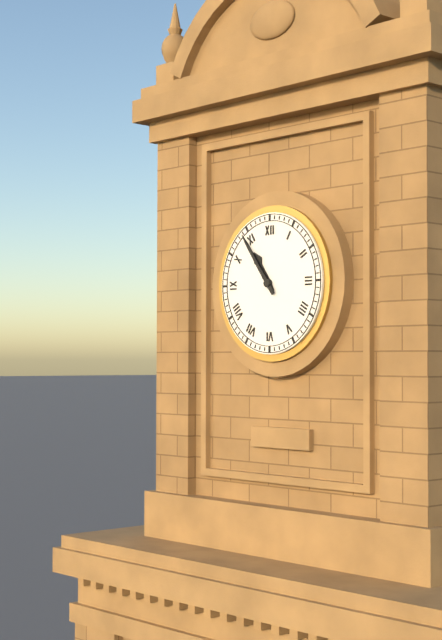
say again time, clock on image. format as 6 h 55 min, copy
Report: 10 h 54 min
